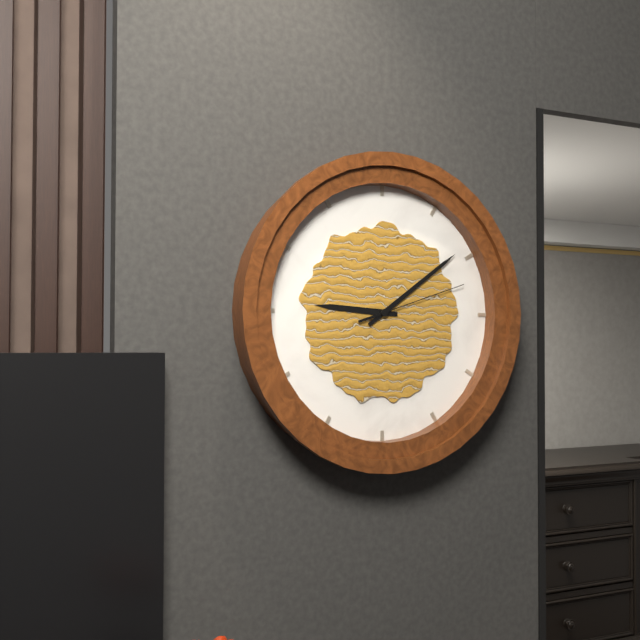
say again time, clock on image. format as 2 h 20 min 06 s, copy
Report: 9 h 09 min 12 s
